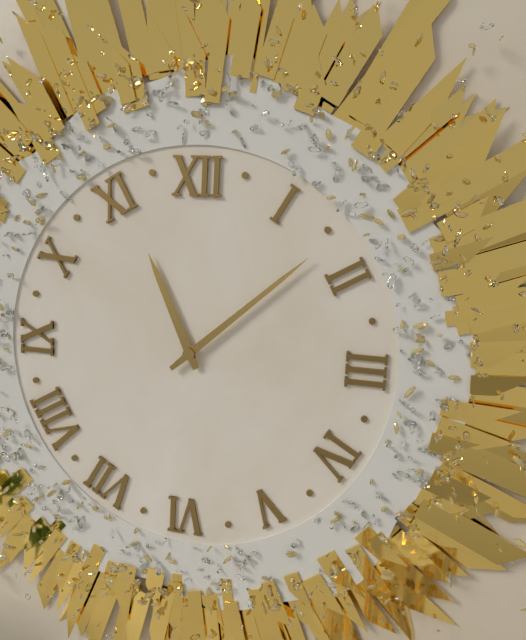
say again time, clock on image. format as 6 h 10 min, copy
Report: 11 h 08 min
